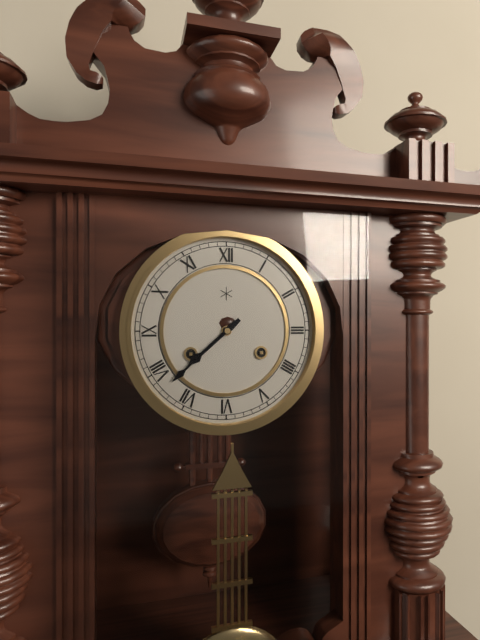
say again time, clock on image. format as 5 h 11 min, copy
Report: 7 h 38 min
